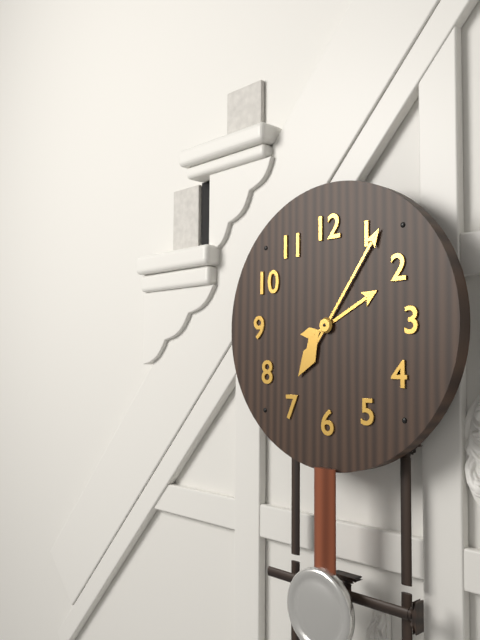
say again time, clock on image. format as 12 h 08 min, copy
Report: 2 h 06 min
